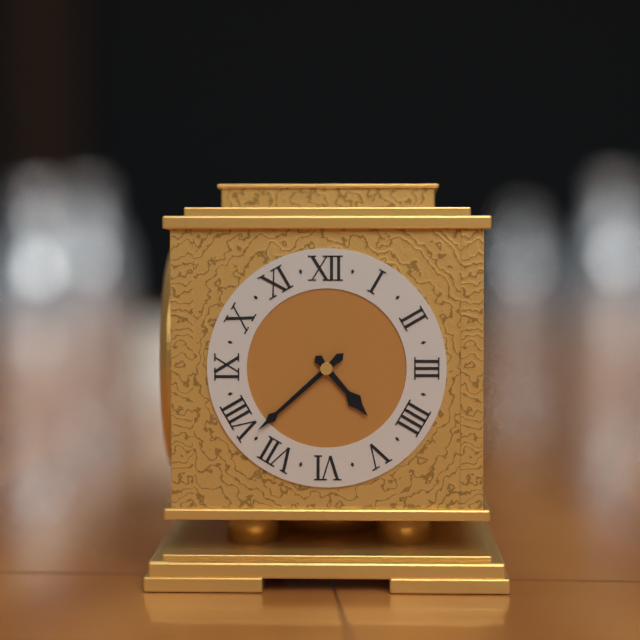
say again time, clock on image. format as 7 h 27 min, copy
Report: 4 h 38 min
